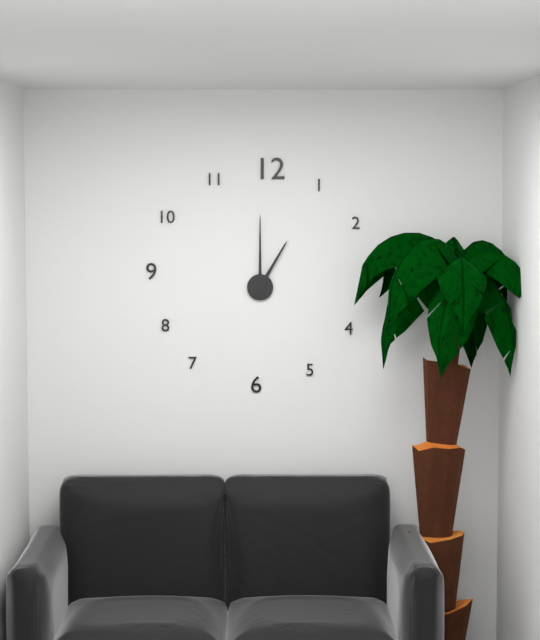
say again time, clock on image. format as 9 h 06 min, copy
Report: 1 h 00 min
